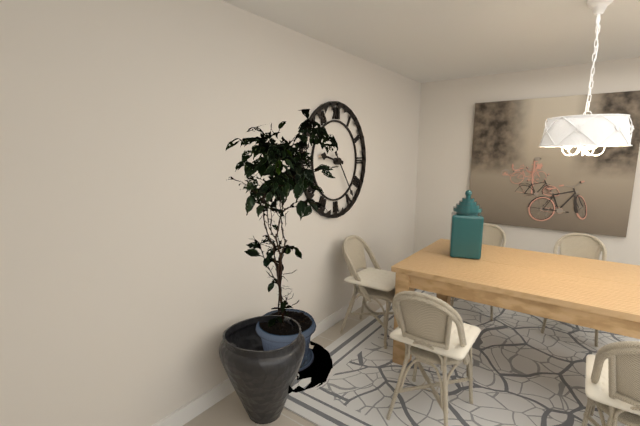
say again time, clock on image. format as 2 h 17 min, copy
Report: 9 h 24 min
